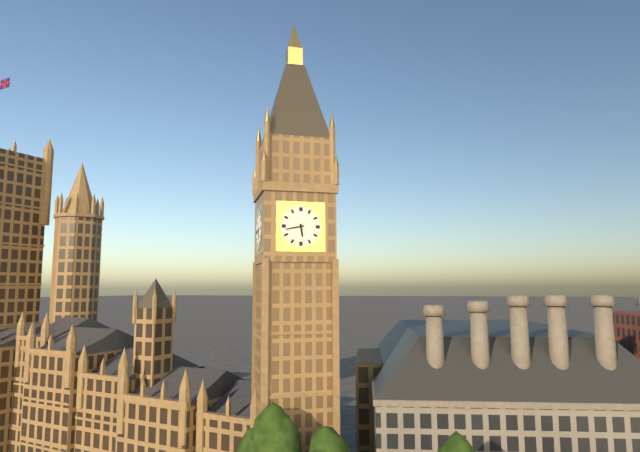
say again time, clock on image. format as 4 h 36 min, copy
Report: 5 h 43 min
